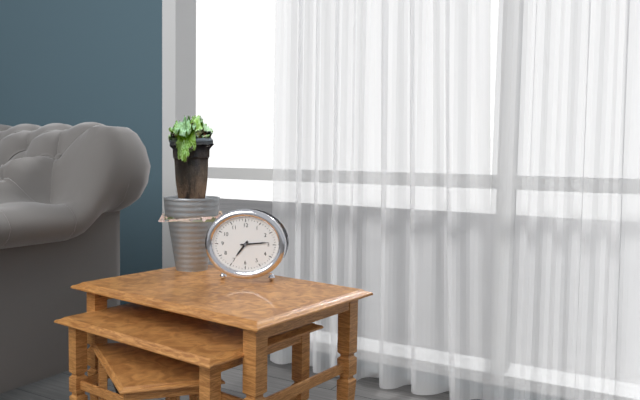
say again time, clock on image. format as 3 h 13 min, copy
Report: 7 h 14 min
